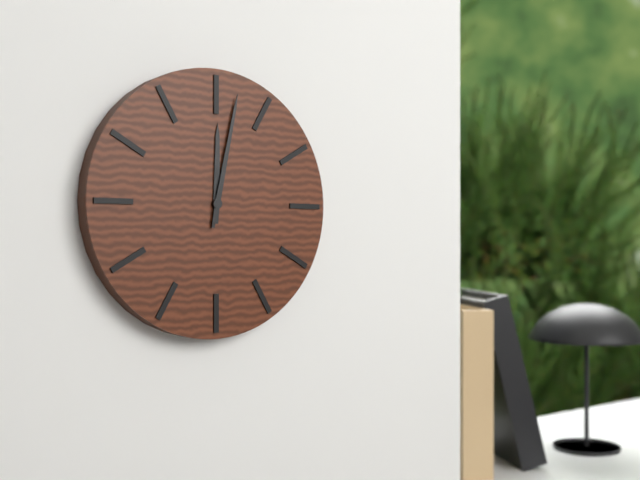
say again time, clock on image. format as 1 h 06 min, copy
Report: 12 h 02 min
